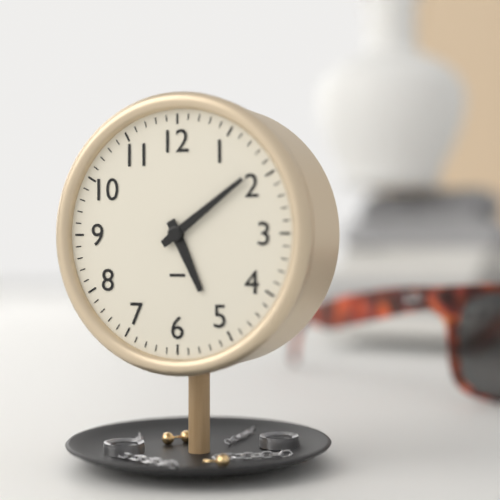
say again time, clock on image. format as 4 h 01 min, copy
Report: 5 h 09 min
